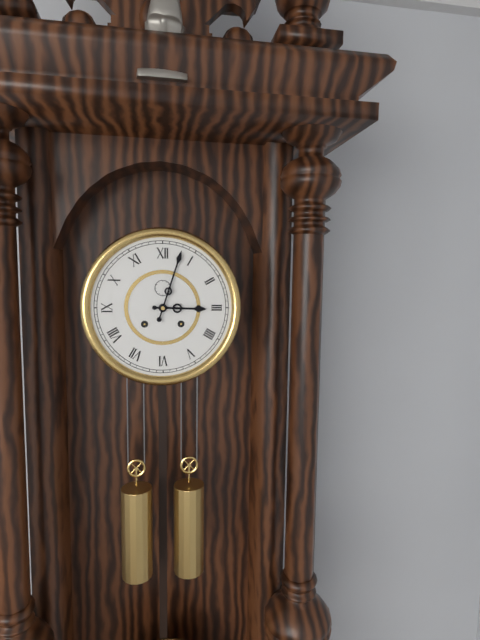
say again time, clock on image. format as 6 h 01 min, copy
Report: 3 h 03 min
